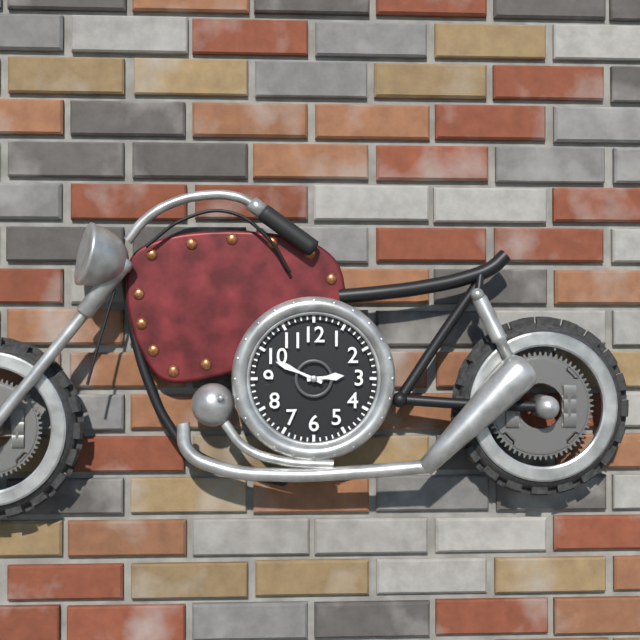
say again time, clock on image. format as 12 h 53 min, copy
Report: 2 h 49 min
